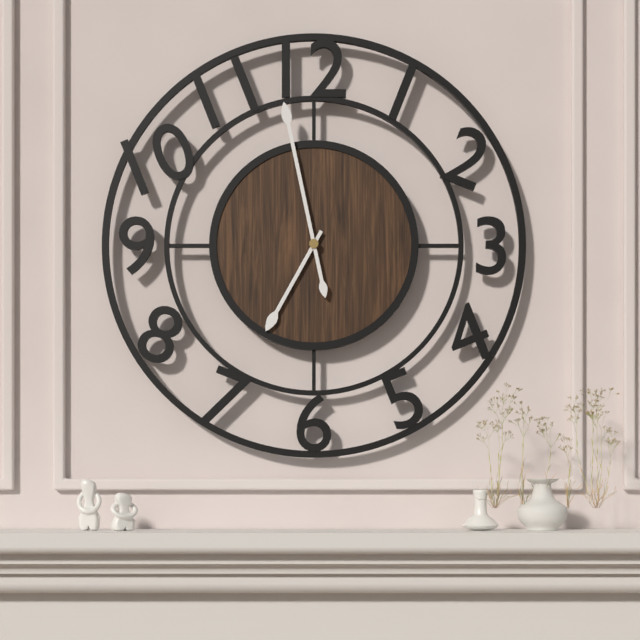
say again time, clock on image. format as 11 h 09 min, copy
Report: 6 h 58 min
